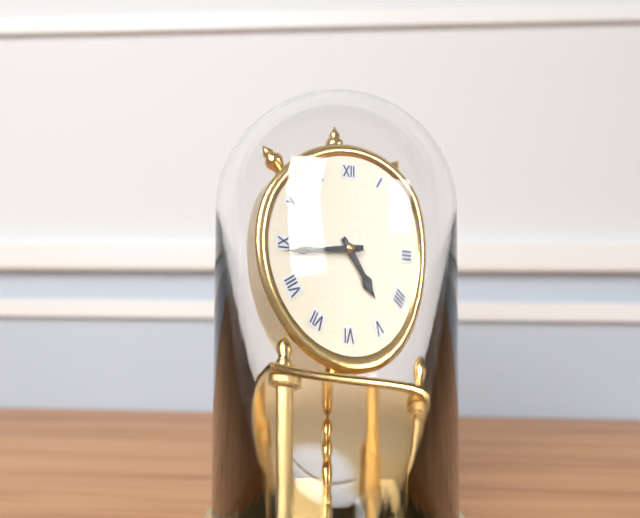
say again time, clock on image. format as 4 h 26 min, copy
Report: 4 h 44 min
